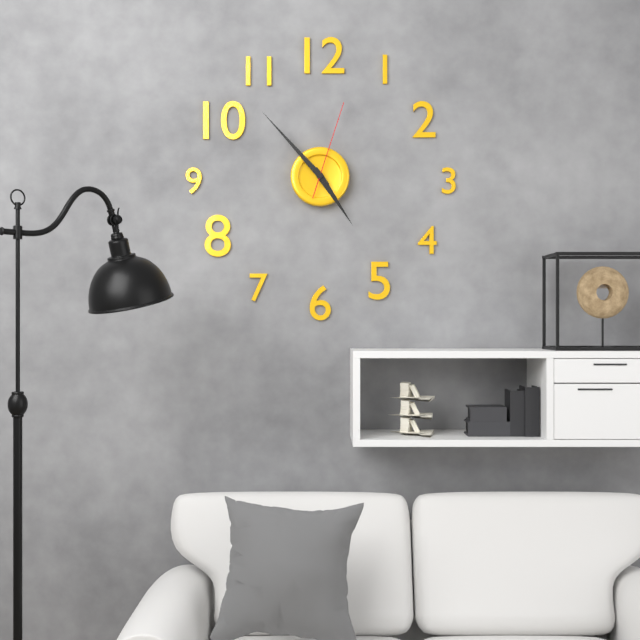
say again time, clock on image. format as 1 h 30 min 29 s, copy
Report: 4 h 53 min 03 s
